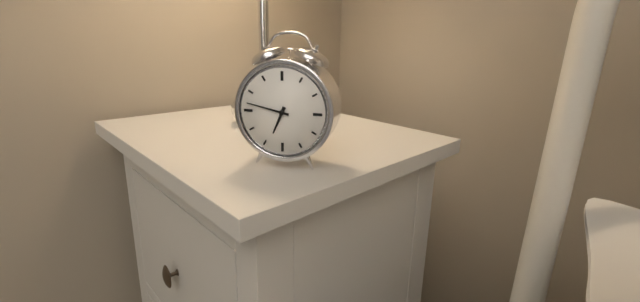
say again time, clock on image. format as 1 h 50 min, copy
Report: 6 h 47 min
